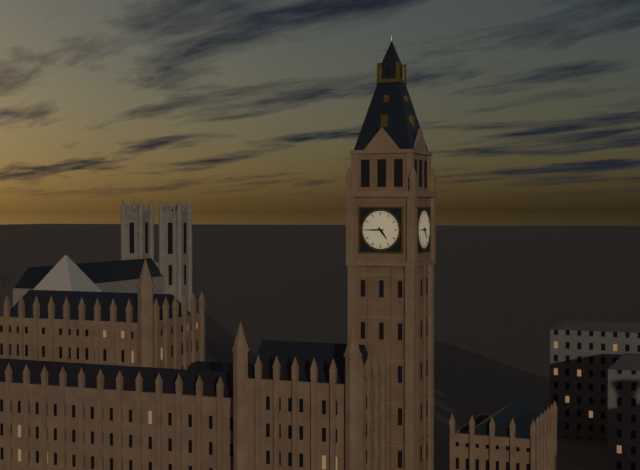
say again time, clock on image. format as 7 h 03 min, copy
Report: 4 h 45 min
